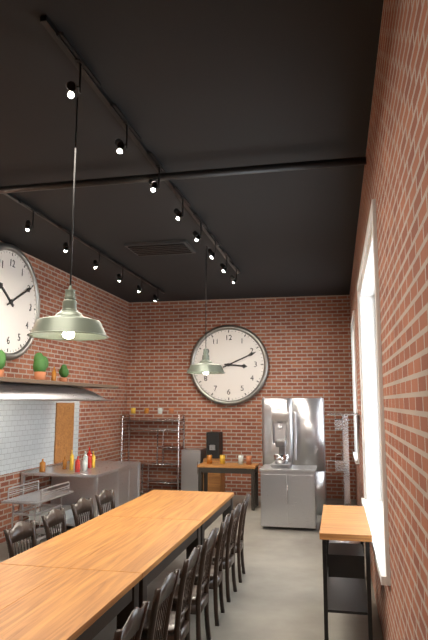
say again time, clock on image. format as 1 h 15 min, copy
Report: 3 h 11 min
